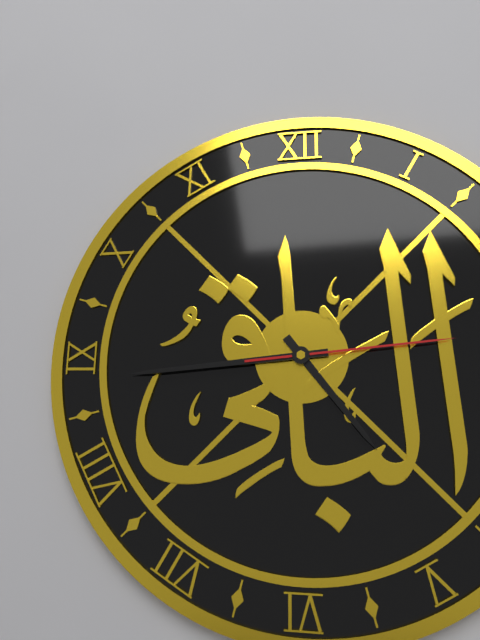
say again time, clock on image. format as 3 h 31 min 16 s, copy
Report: 4 h 44 min 14 s
